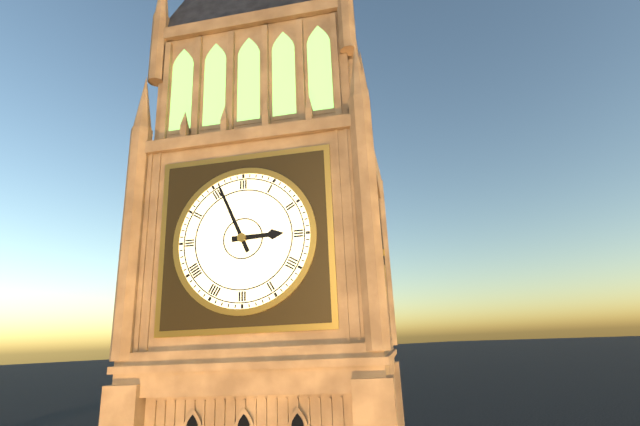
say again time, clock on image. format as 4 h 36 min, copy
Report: 2 h 56 min
